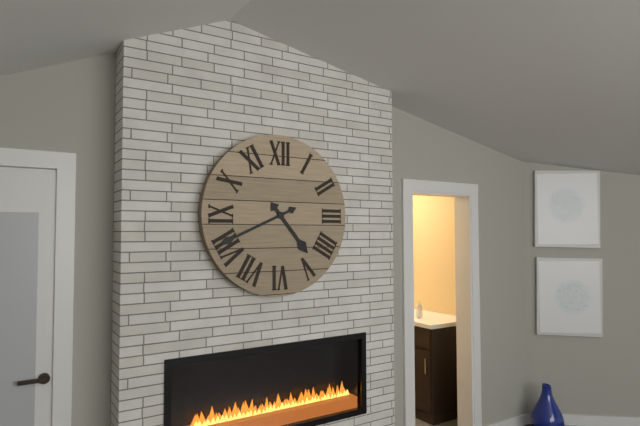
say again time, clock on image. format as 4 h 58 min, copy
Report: 4 h 41 min
